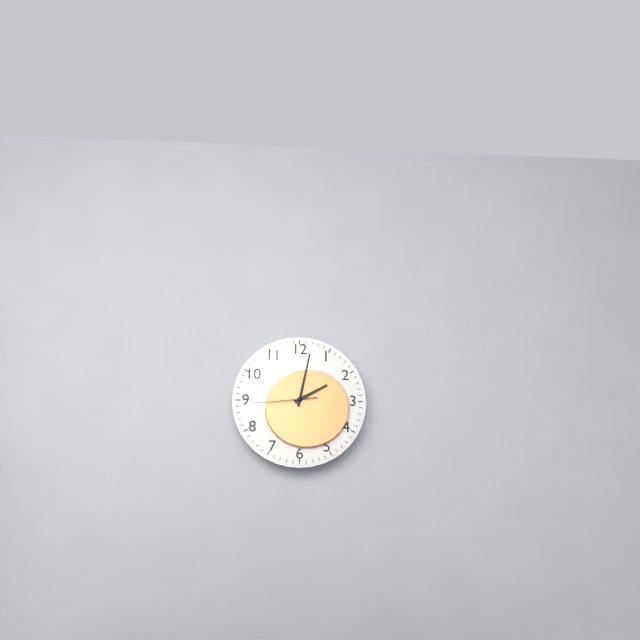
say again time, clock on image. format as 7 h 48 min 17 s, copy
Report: 2 h 02 min 44 s
